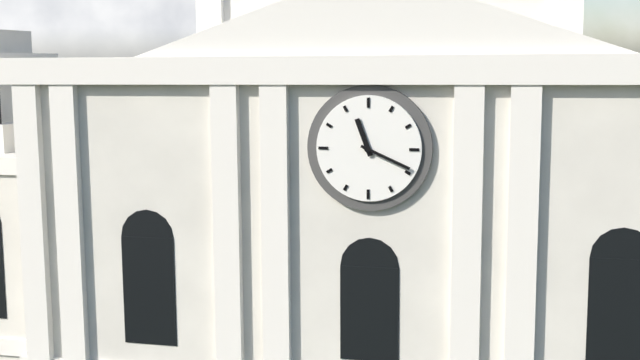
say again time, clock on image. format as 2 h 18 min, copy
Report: 11 h 19 min
